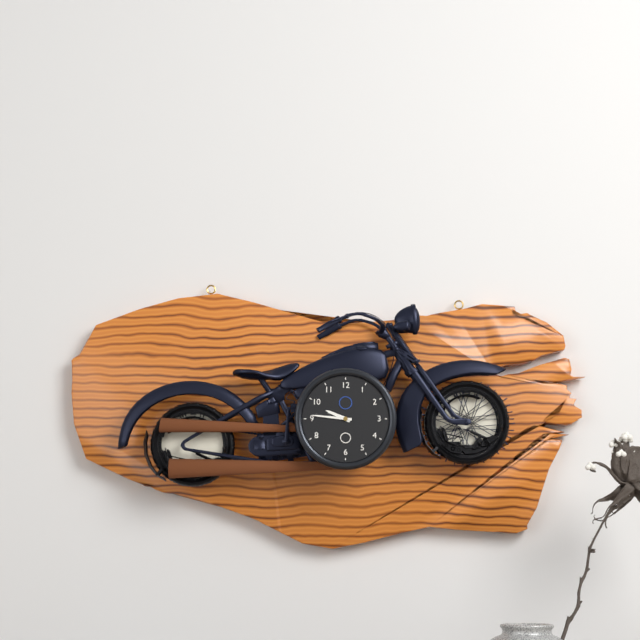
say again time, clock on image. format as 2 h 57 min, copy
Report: 9 h 46 min
